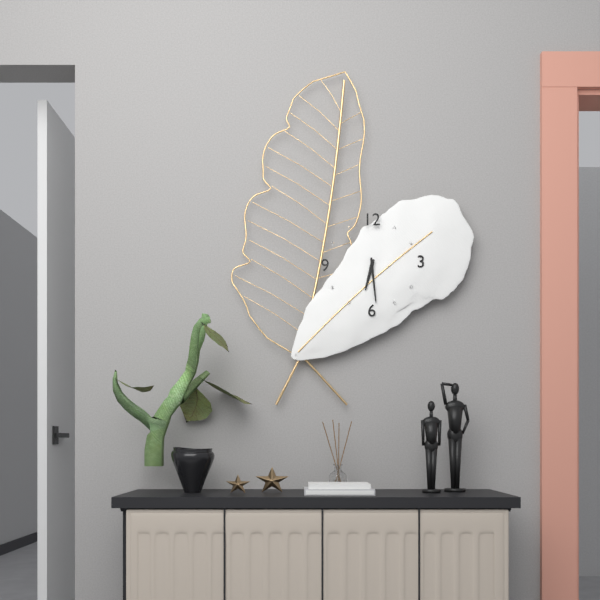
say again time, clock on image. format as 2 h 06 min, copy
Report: 6 h 29 min
